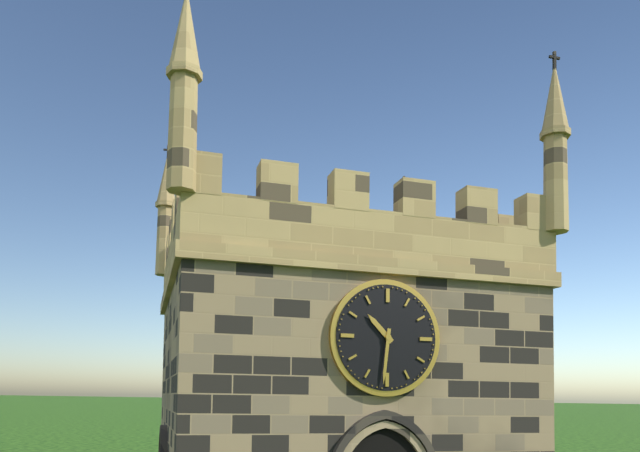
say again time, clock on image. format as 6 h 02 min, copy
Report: 10 h 31 min
